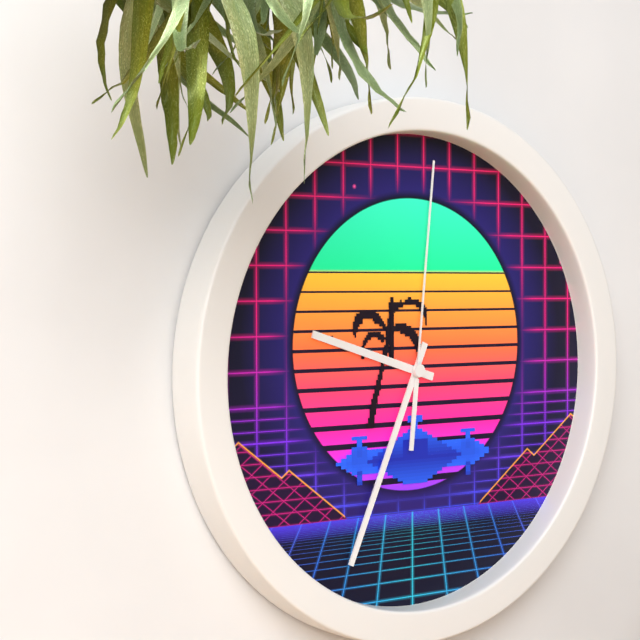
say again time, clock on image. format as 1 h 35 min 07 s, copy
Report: 9 h 34 min 01 s
